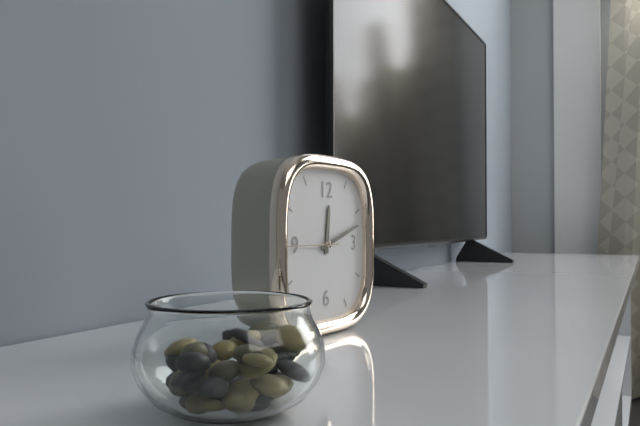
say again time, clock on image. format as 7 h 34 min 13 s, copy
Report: 12 h 12 min 45 s
